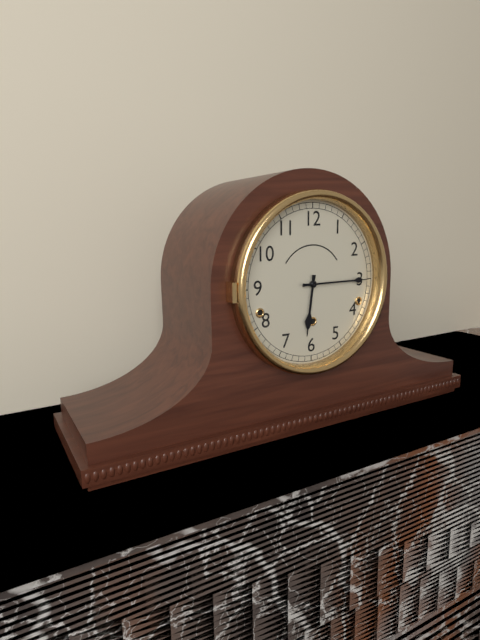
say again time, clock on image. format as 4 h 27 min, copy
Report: 6 h 15 min
